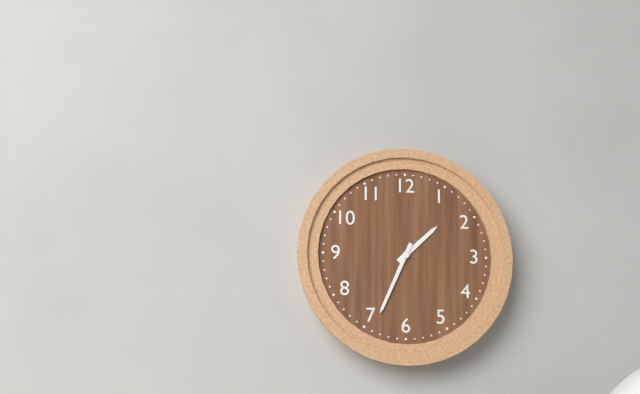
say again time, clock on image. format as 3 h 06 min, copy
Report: 1 h 34 min
